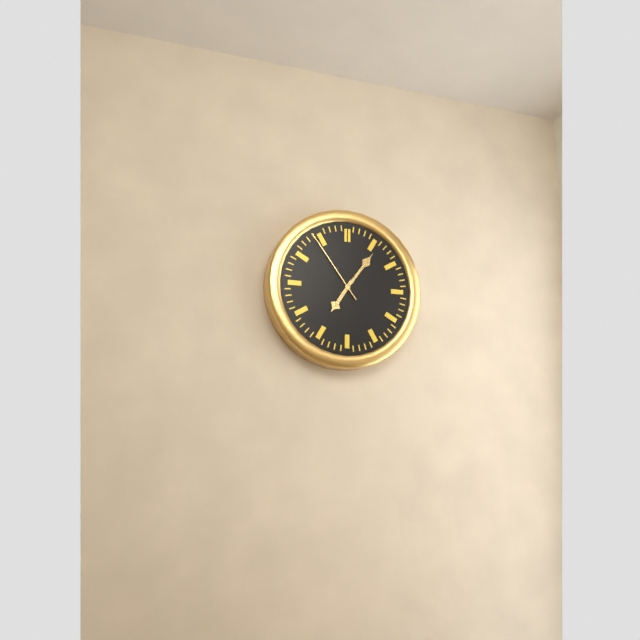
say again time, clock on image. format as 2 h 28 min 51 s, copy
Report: 7 h 06 min 54 s
